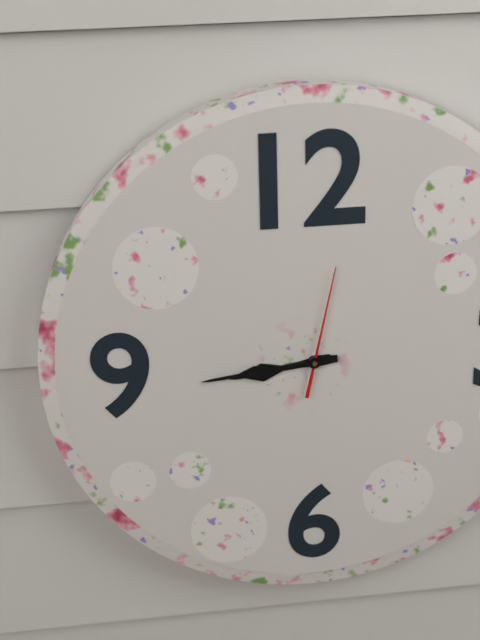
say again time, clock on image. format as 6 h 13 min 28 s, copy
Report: 8 h 44 min 02 s
